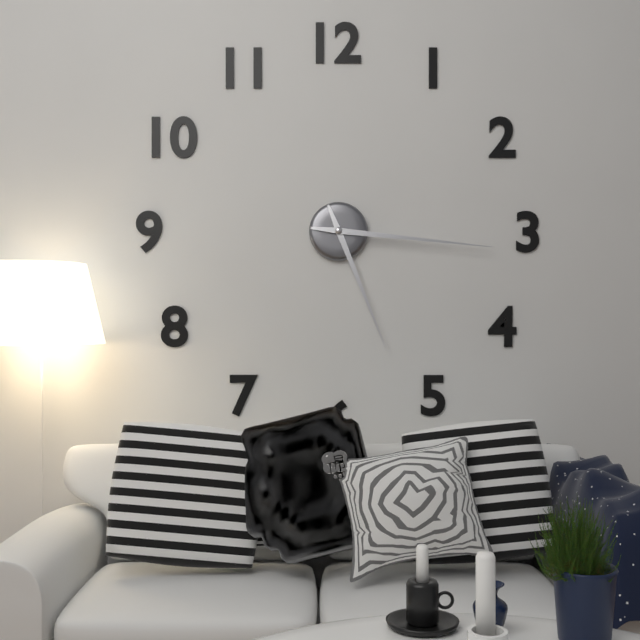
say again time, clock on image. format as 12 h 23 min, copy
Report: 5 h 16 min
